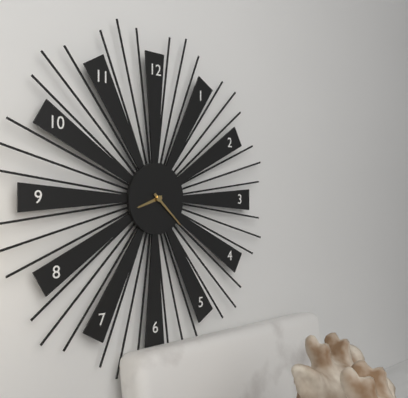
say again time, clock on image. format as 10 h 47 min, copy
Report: 8 h 22 min
